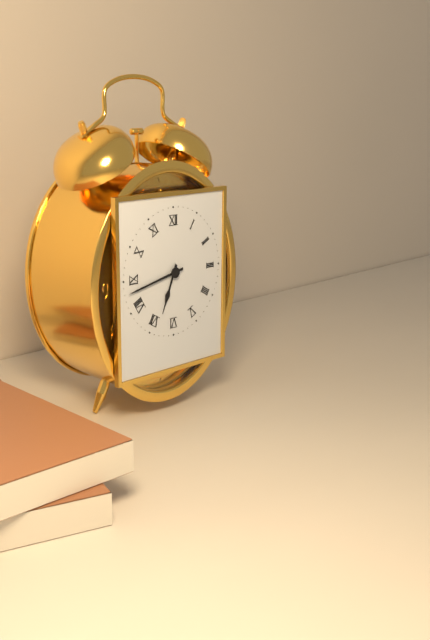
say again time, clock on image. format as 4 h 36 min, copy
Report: 6 h 43 min
